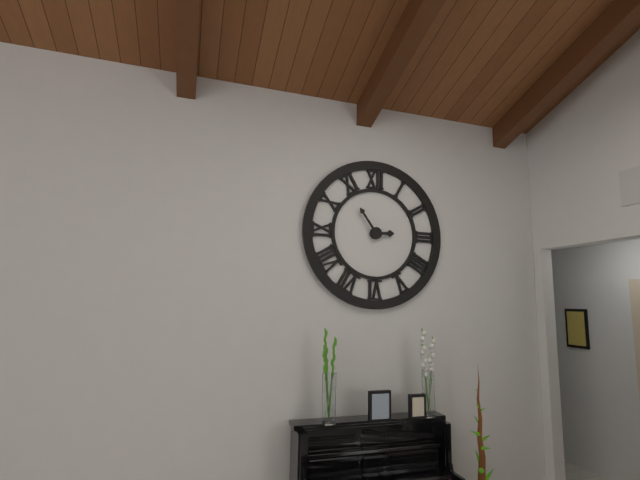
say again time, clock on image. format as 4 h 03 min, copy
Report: 2 h 54 min
